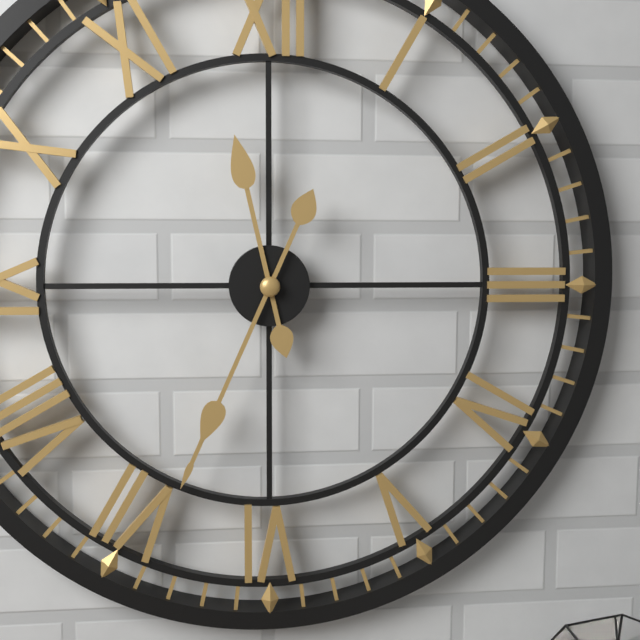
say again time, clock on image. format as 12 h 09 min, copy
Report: 11 h 34 min
